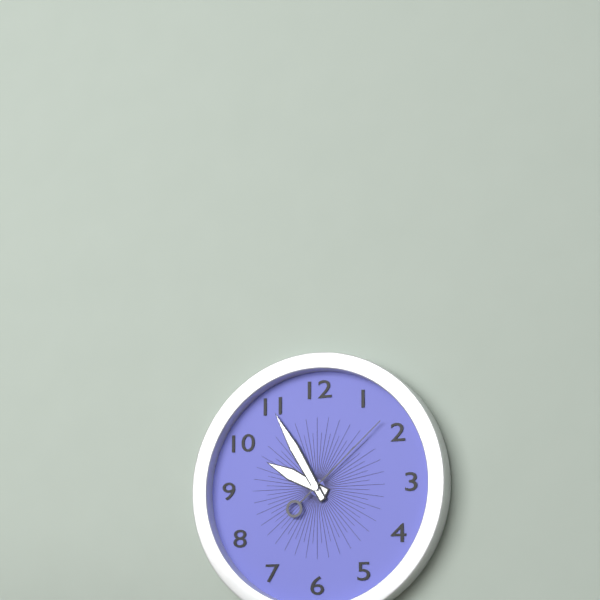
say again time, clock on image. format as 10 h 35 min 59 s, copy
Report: 9 h 55 min 08 s
